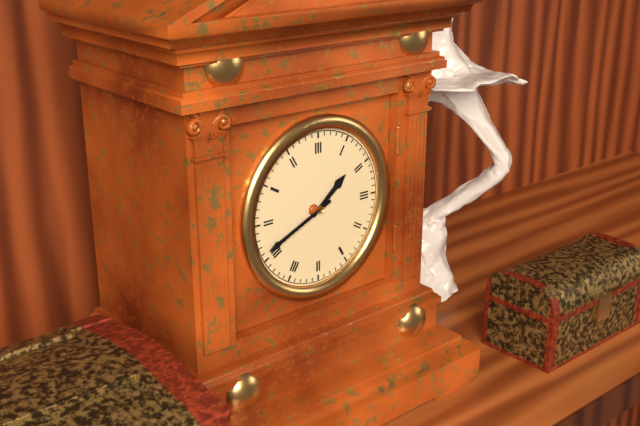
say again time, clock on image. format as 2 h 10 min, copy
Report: 1 h 41 min
